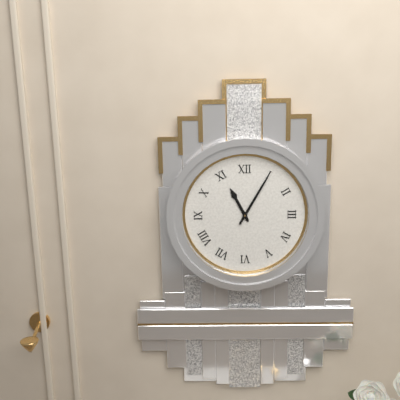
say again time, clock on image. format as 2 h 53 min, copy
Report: 11 h 05 min
